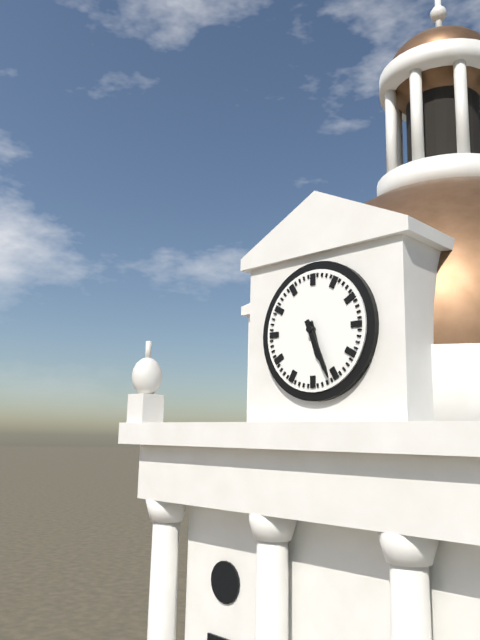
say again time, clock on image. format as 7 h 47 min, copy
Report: 5 h 26 min
